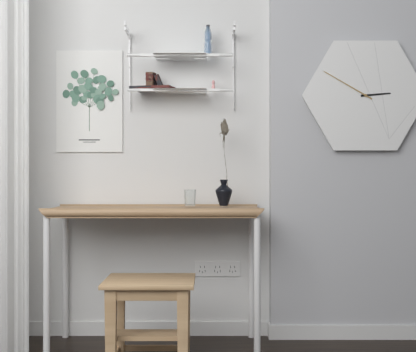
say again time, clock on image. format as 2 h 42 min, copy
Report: 2 h 50 min
